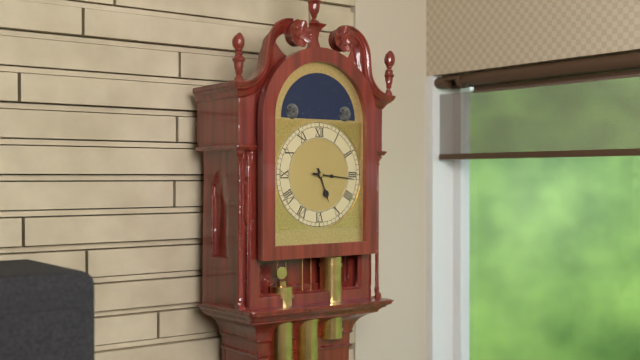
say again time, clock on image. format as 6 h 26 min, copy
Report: 5 h 16 min
